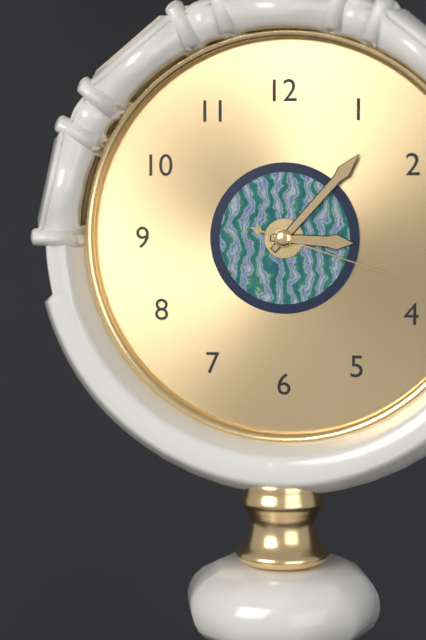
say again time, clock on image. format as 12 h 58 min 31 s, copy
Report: 3 h 07 min 18 s
